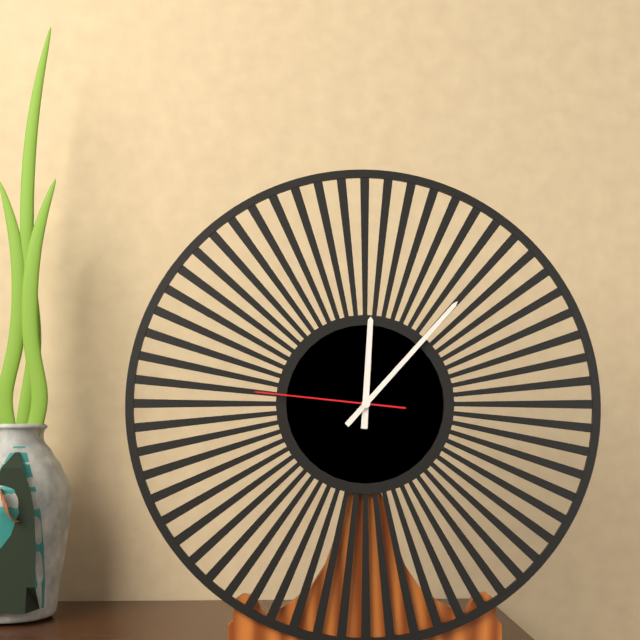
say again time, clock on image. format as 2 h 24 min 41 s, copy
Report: 12 h 07 min 46 s
